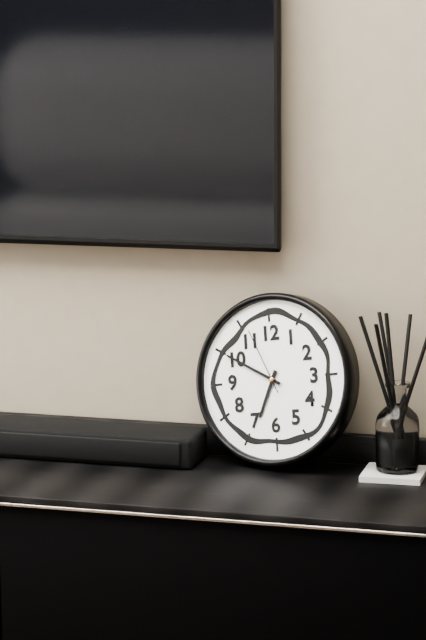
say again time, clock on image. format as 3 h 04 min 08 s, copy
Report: 6 h 50 min 56 s
